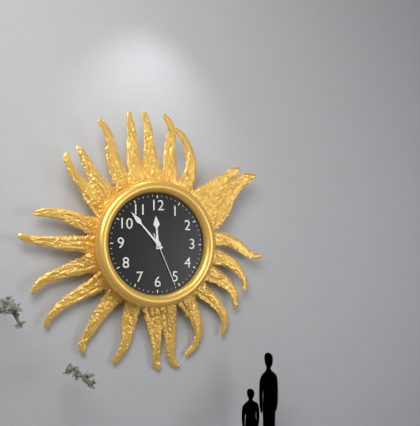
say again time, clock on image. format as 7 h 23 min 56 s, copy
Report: 11 h 53 min 26 s
